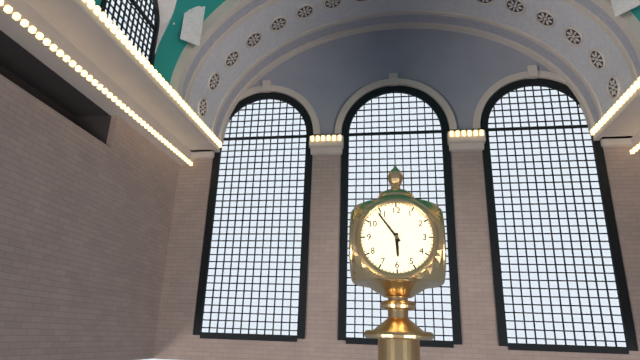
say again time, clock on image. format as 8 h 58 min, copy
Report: 5 h 54 min
